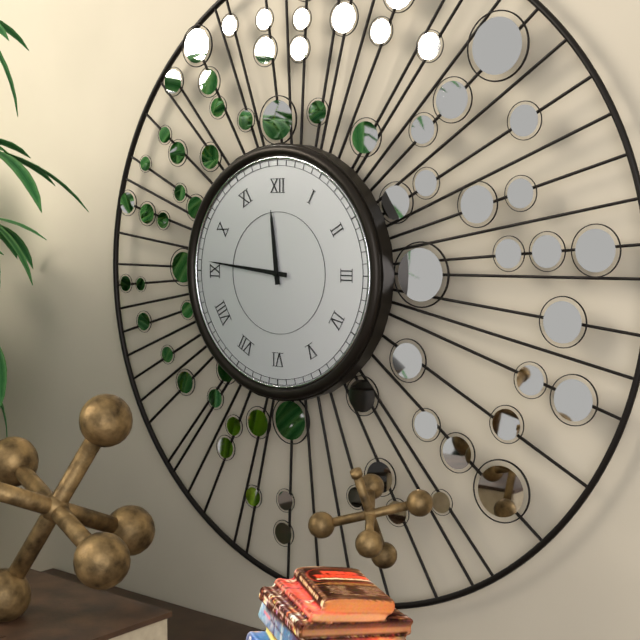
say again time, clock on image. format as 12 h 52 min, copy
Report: 11 h 46 min
